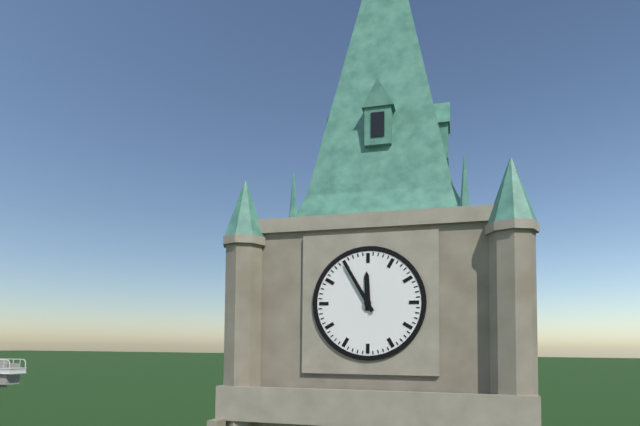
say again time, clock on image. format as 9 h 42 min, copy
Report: 11 h 55 min
